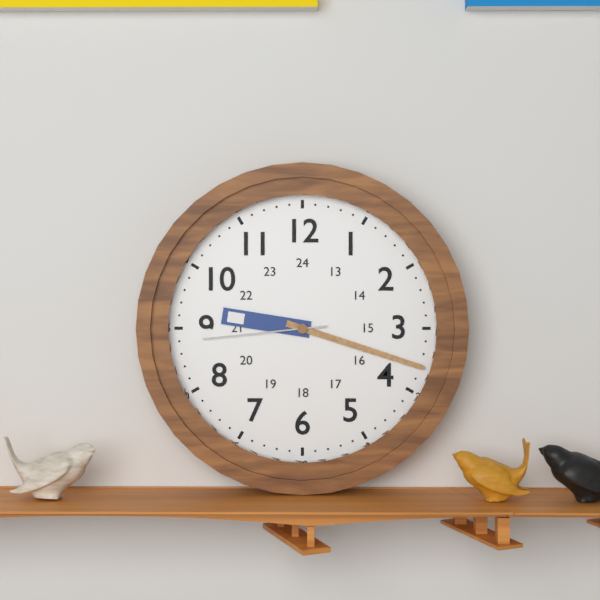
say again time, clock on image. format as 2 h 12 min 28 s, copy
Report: 9 h 18 min 44 s
